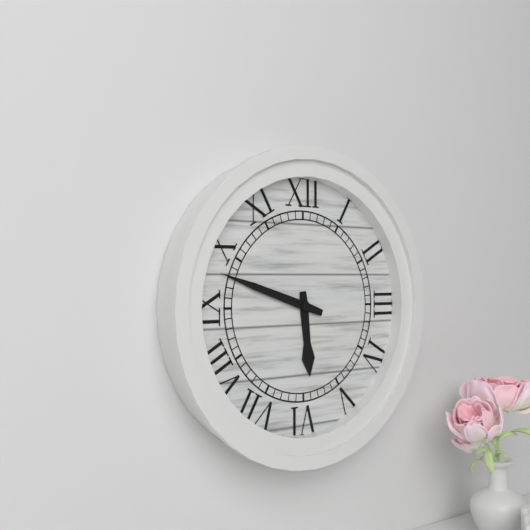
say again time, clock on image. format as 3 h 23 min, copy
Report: 5 h 48 min
